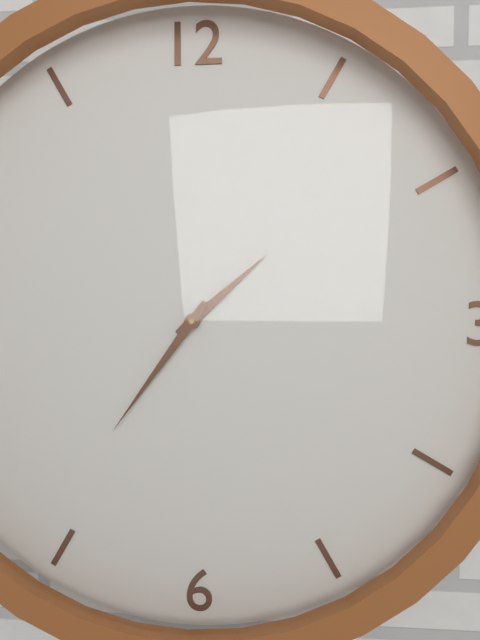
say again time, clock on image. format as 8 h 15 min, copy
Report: 1 h 36 min
